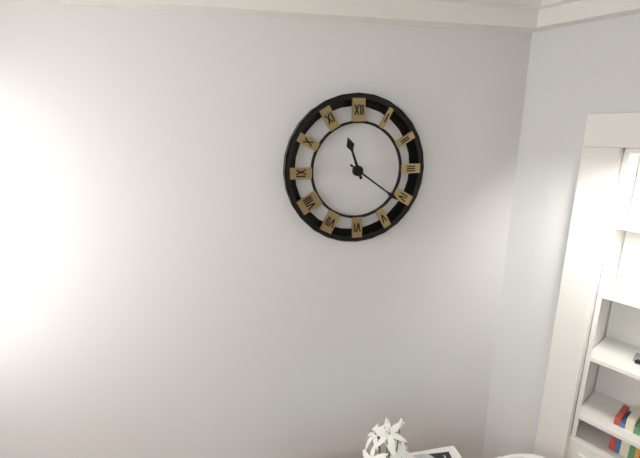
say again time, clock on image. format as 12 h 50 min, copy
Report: 11 h 21 min
